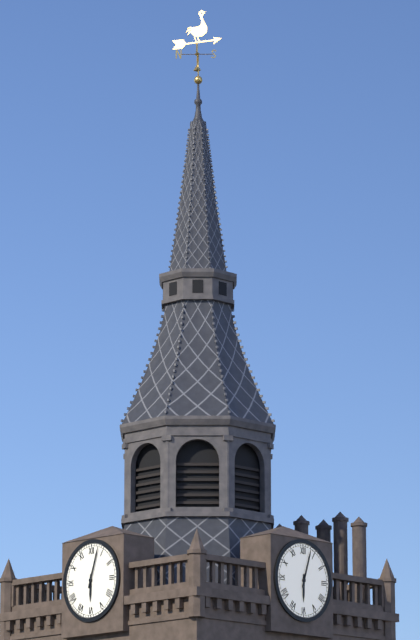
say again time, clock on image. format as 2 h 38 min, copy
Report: 6 h 03 min
